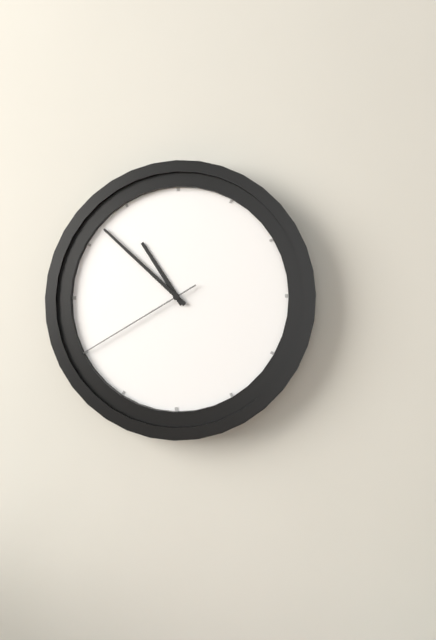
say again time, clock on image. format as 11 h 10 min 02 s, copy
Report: 10 h 52 min 40 s
